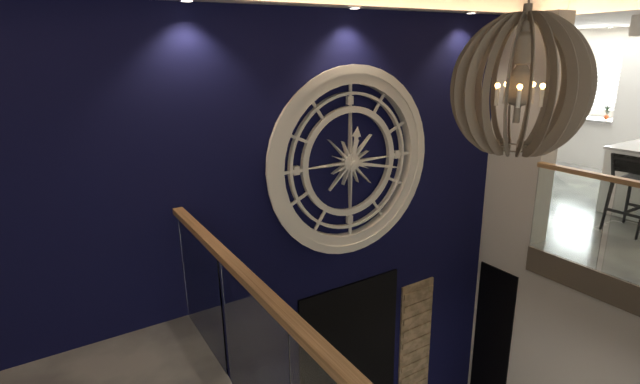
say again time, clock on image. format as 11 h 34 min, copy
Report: 12 h 17 min
